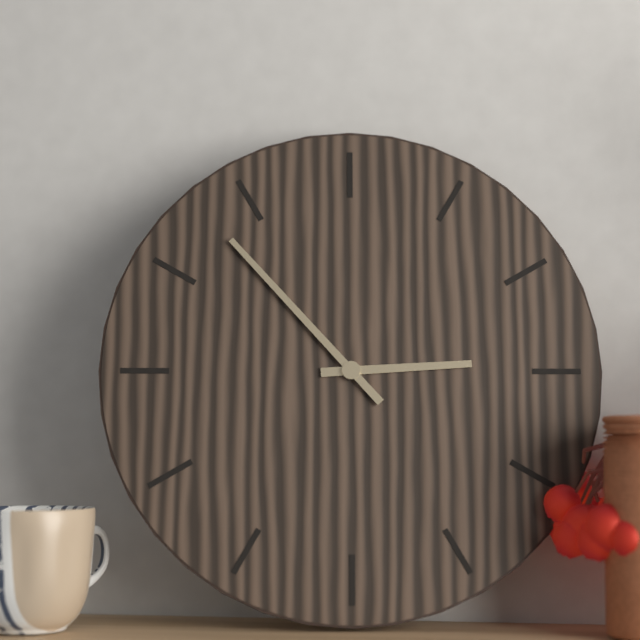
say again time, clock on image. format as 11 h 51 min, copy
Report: 2 h 53 min
